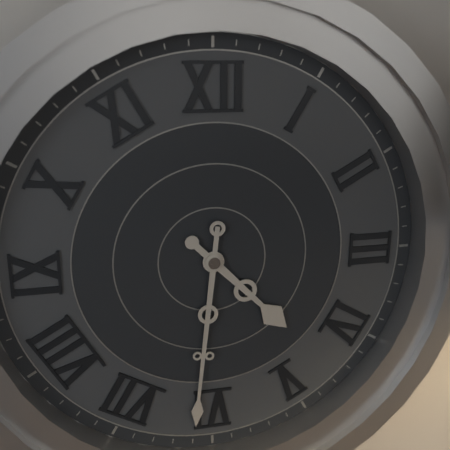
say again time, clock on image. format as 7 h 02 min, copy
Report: 4 h 31 min
